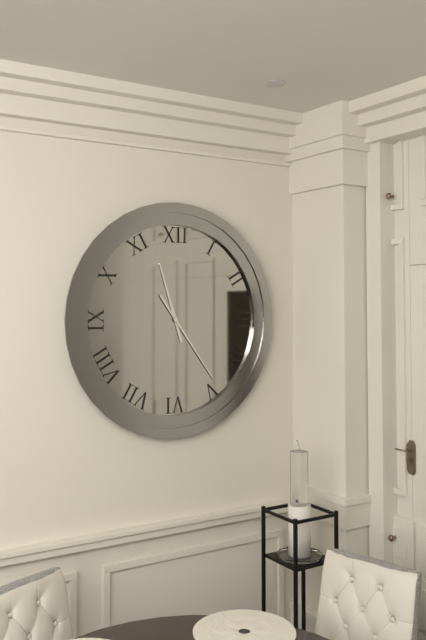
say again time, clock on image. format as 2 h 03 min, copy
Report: 11 h 24 min
